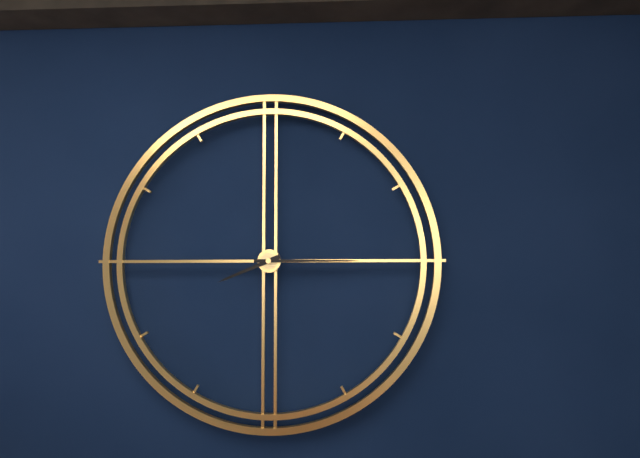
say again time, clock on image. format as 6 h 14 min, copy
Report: 8 h 15 min
